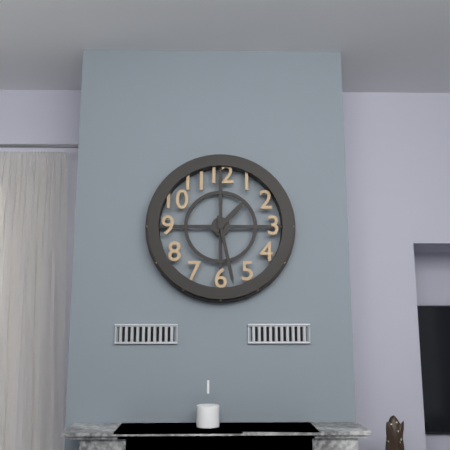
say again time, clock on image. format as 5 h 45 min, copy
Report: 1 h 28 min
